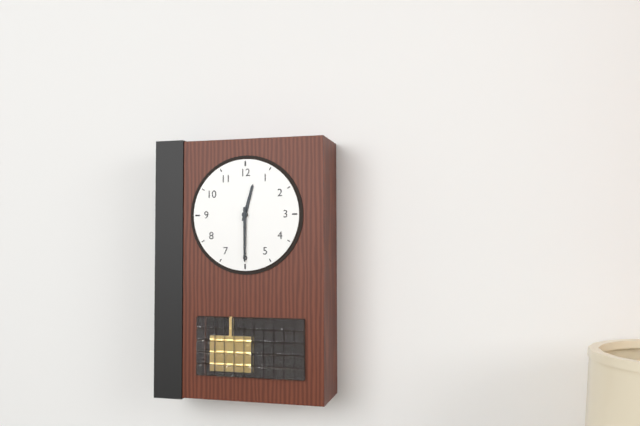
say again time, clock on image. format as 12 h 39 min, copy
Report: 12 h 30 min
